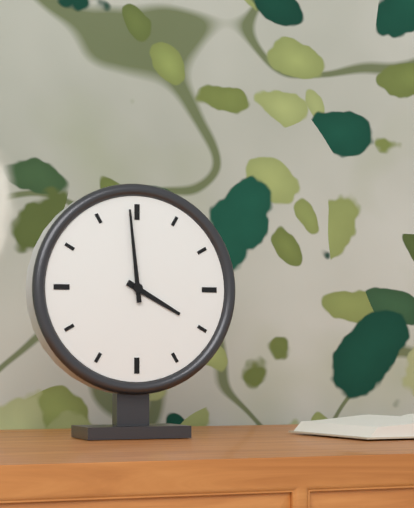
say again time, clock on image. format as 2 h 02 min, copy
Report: 3 h 59 min
